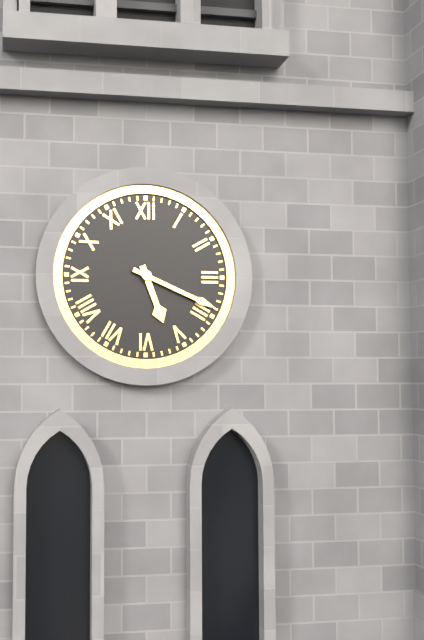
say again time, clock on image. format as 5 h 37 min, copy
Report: 5 h 19 min
